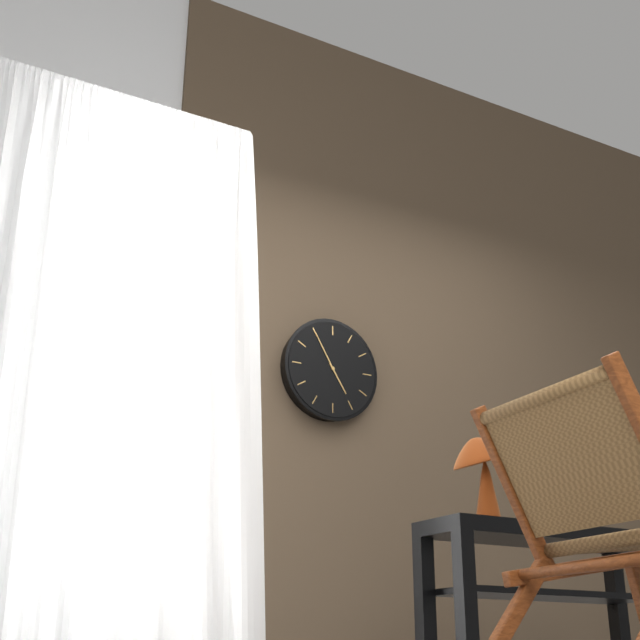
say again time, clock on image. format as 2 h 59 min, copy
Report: 4 h 55 min
